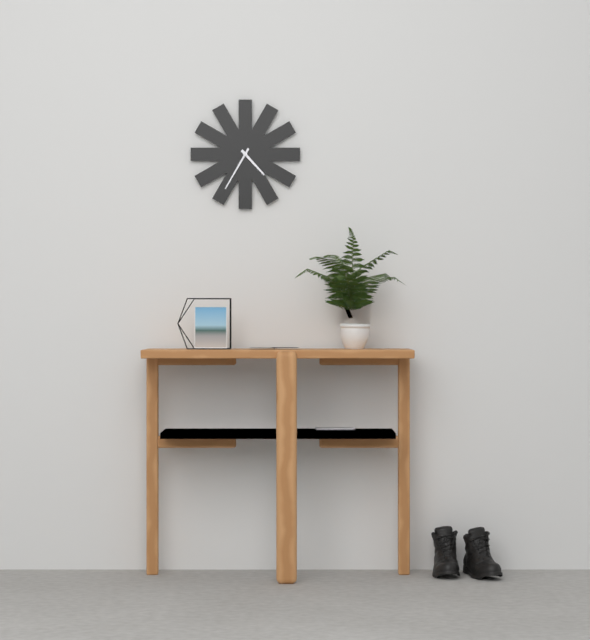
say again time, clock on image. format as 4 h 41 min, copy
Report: 4 h 35 min
